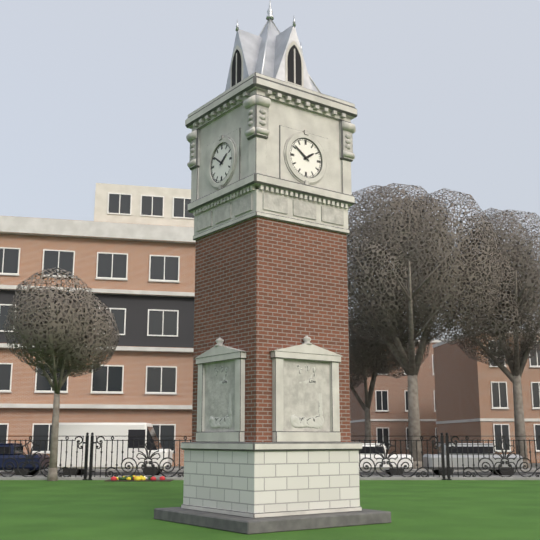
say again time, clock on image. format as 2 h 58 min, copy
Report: 1 h 51 min
